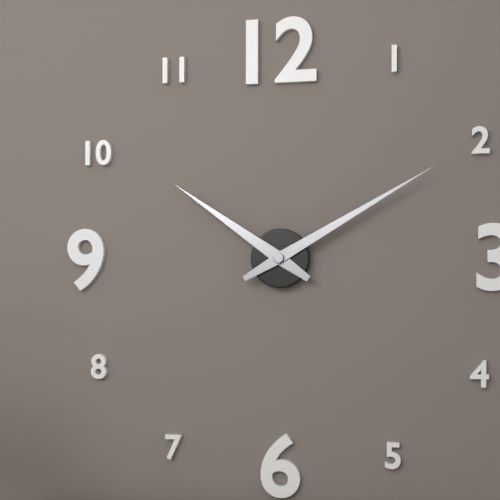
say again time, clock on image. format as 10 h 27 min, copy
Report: 10 h 10 min
